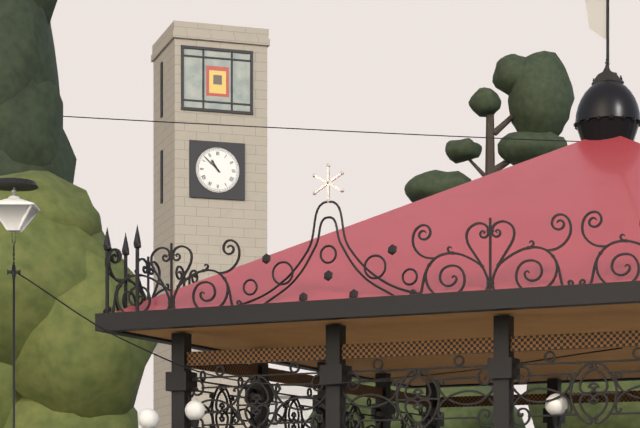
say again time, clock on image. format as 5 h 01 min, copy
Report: 10 h 52 min
